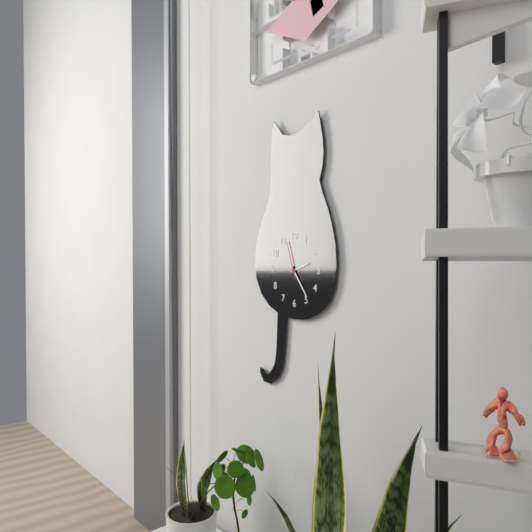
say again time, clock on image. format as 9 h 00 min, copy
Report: 2 h 24 min
